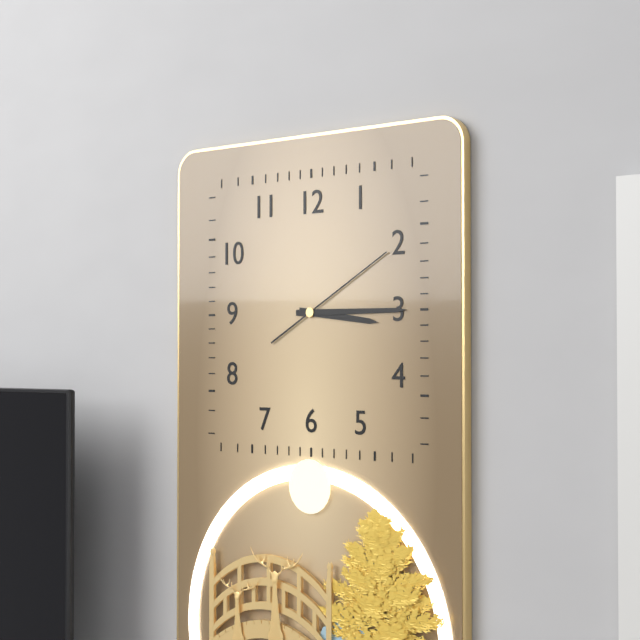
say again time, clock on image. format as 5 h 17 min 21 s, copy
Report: 3 h 15 min 10 s
